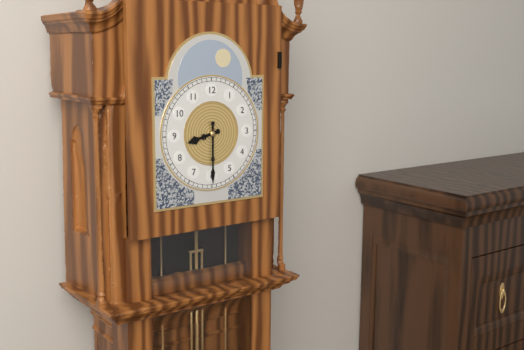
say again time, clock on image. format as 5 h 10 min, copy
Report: 8 h 30 min
